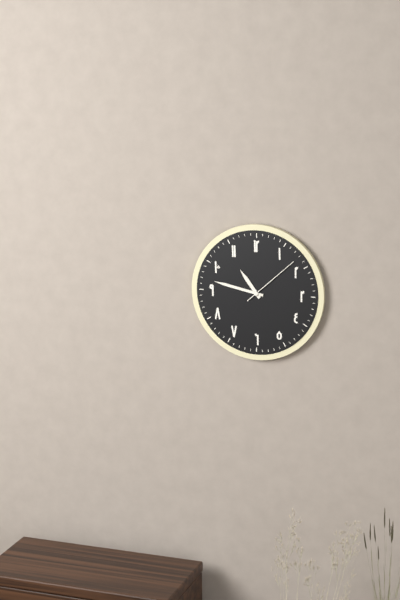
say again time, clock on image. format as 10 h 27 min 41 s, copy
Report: 10 h 47 min 08 s
